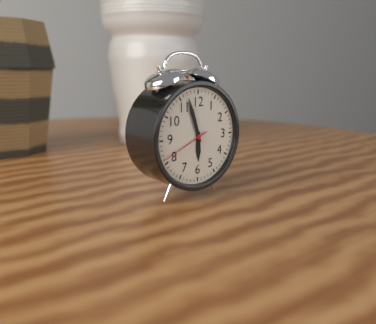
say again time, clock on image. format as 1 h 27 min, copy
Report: 5 h 57 min
